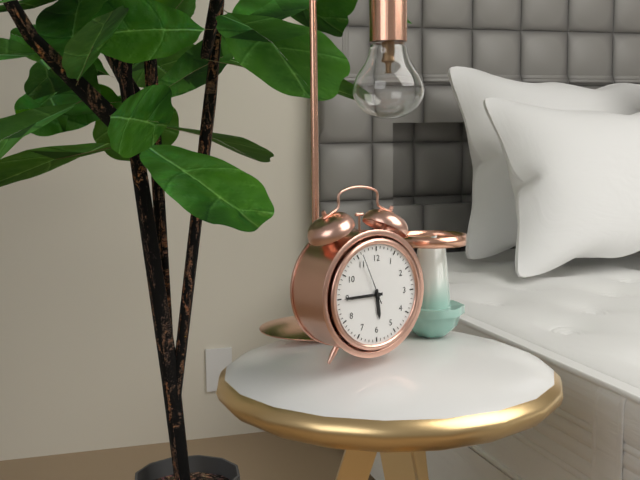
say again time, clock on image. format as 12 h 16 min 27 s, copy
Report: 5 h 45 min 56 s
